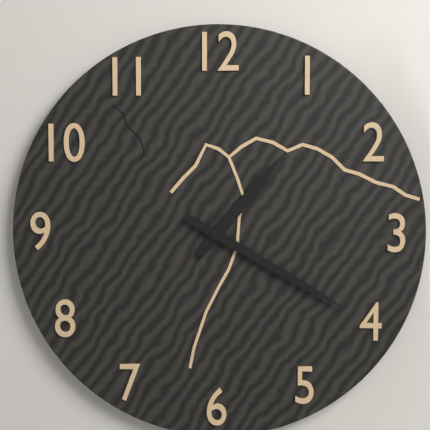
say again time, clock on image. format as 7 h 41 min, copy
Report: 1 h 20 min
